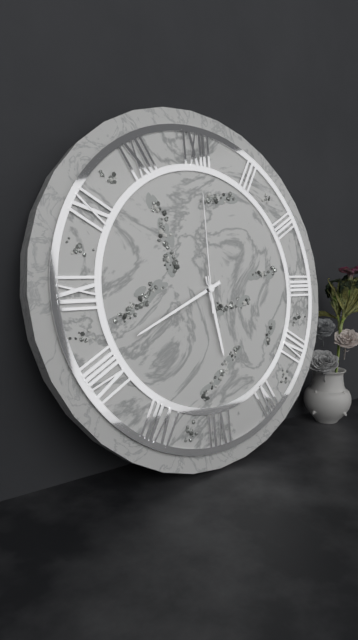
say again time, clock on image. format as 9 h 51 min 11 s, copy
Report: 5 h 41 min 00 s
